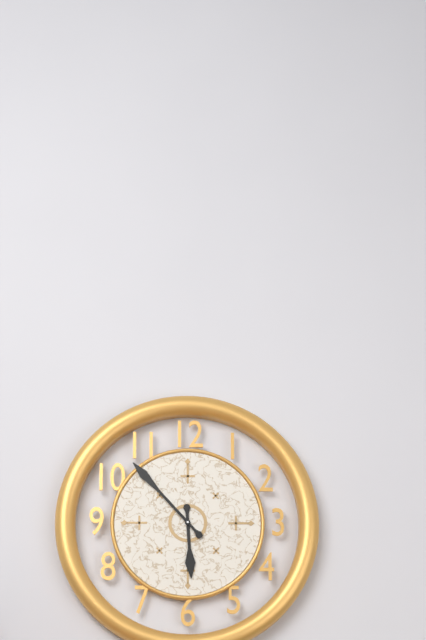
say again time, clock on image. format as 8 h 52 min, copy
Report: 5 h 53 min
